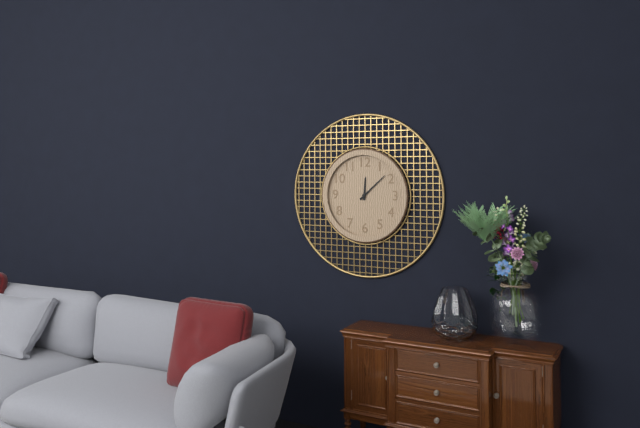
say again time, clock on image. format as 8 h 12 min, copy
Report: 12 h 08 min
